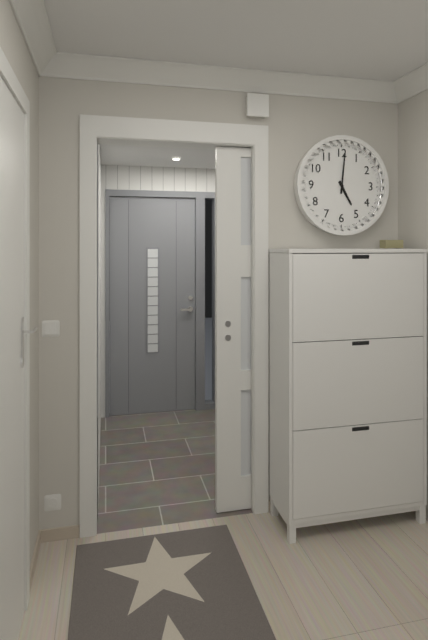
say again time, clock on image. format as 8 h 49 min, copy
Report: 5 h 01 min
